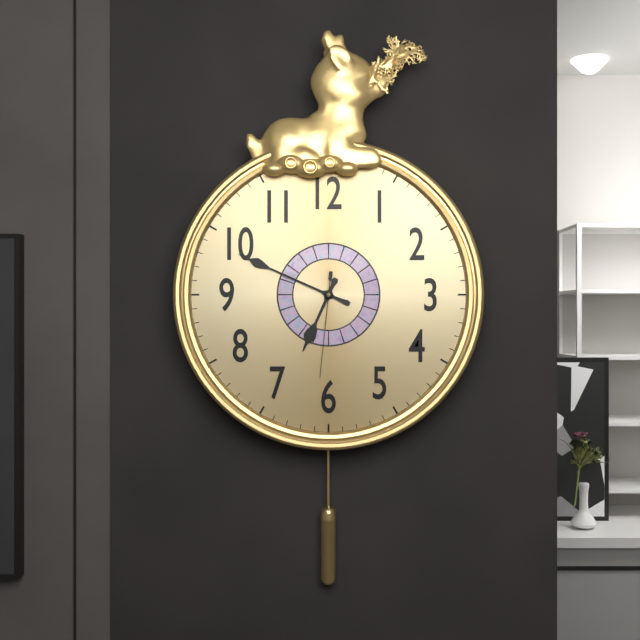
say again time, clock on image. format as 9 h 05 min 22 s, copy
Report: 6 h 49 min 31 s
